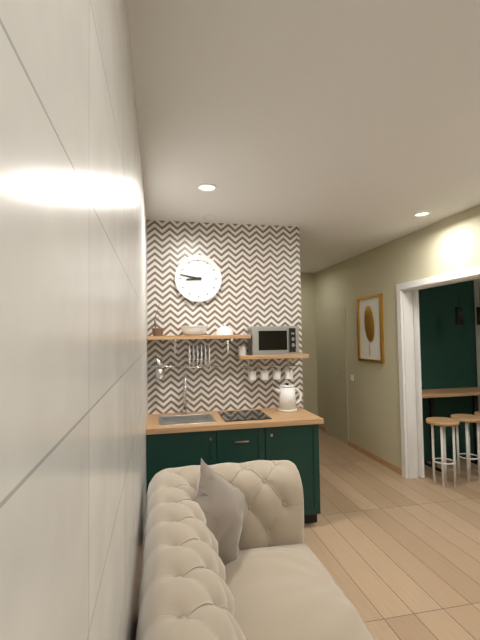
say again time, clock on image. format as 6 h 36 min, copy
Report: 8 h 47 min
